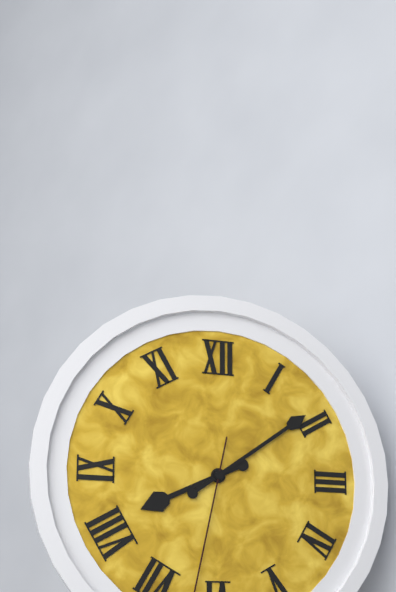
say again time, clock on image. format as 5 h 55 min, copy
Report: 8 h 09 min
